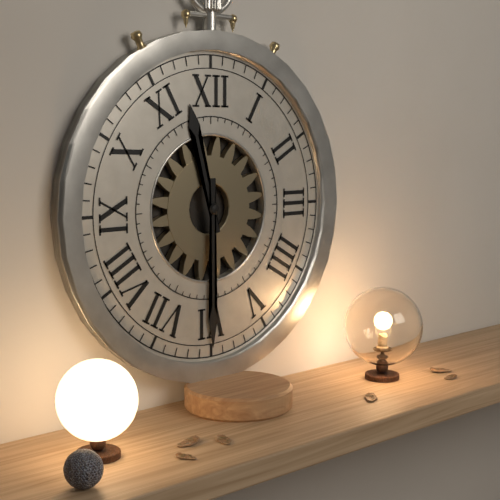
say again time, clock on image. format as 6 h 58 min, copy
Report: 11 h 30 min
